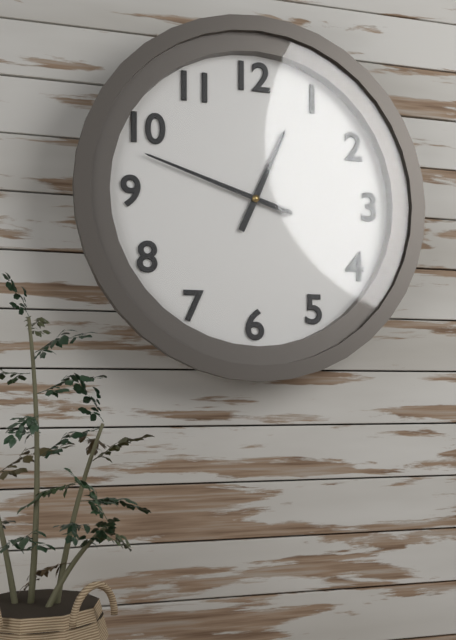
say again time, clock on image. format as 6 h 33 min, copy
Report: 12 h 48 min
